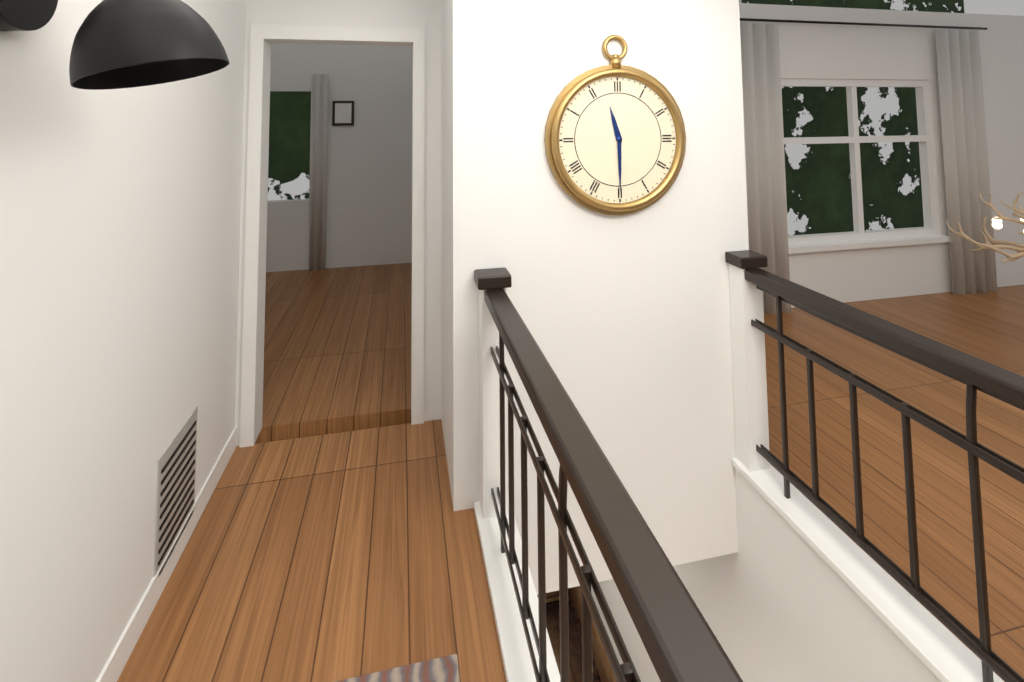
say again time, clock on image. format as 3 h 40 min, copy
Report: 11 h 30 min
